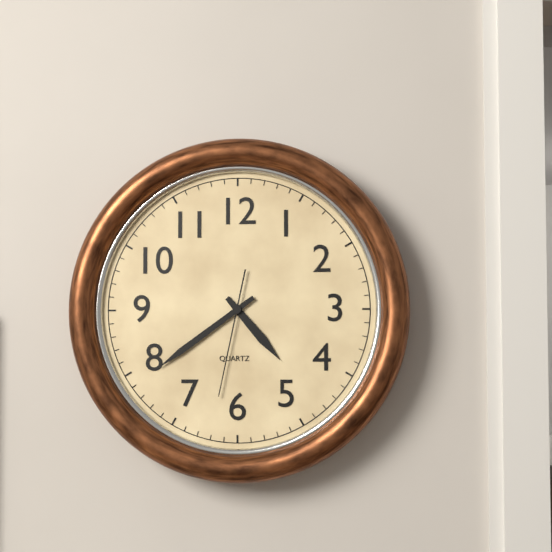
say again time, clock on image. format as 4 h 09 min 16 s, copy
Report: 4 h 39 min 32 s
